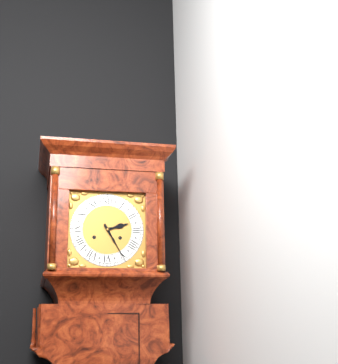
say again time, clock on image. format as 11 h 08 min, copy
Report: 2 h 25 min
